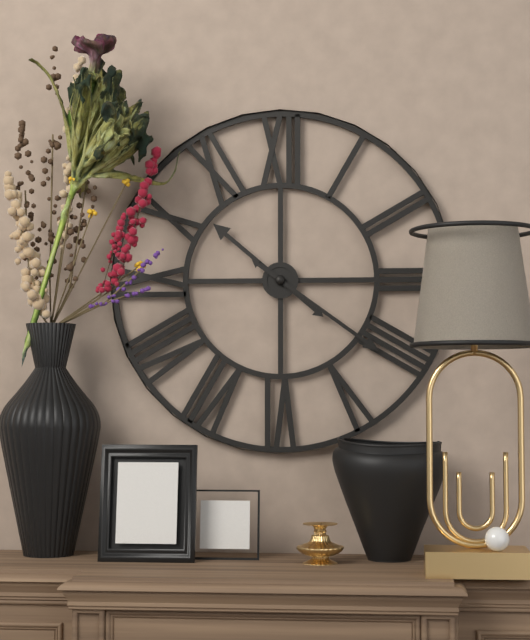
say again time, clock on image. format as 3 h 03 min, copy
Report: 10 h 21 min
